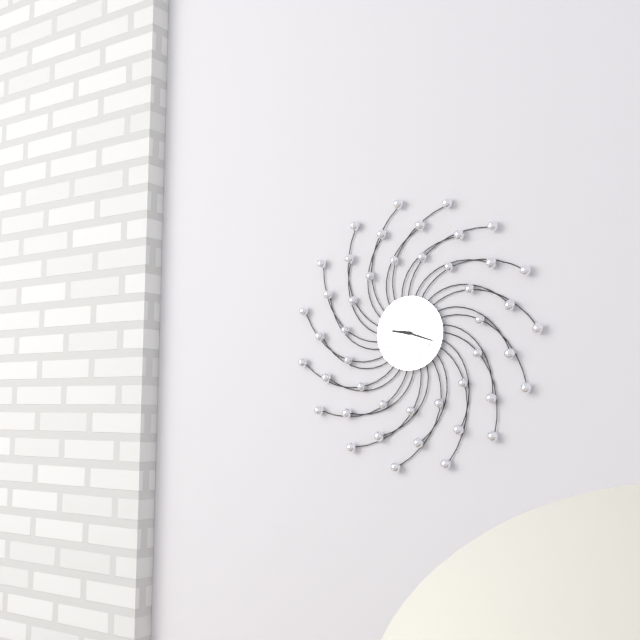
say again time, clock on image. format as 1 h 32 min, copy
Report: 9 h 18 min
